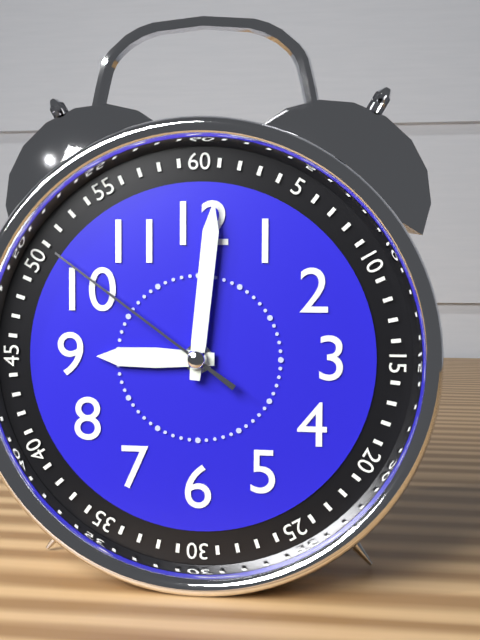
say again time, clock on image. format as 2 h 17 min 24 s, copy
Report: 9 h 01 min 51 s
